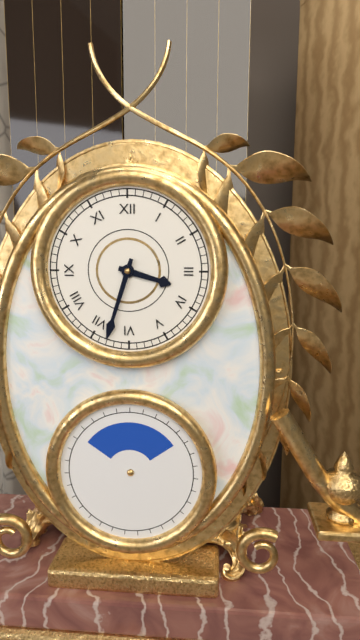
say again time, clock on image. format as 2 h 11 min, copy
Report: 3 h 33 min
